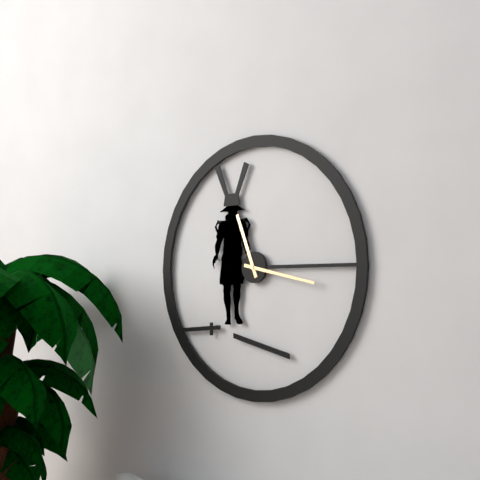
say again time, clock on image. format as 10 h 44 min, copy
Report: 11 h 17 min
